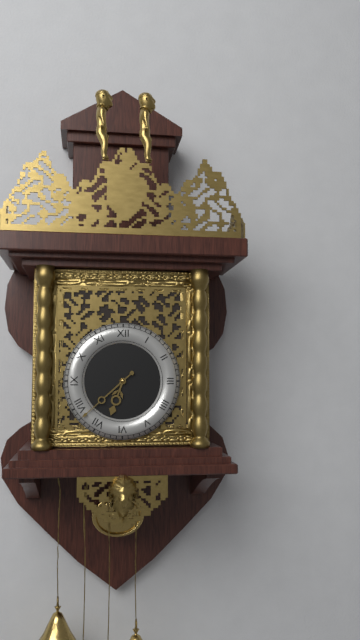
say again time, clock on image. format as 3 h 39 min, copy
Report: 6 h 38 min
